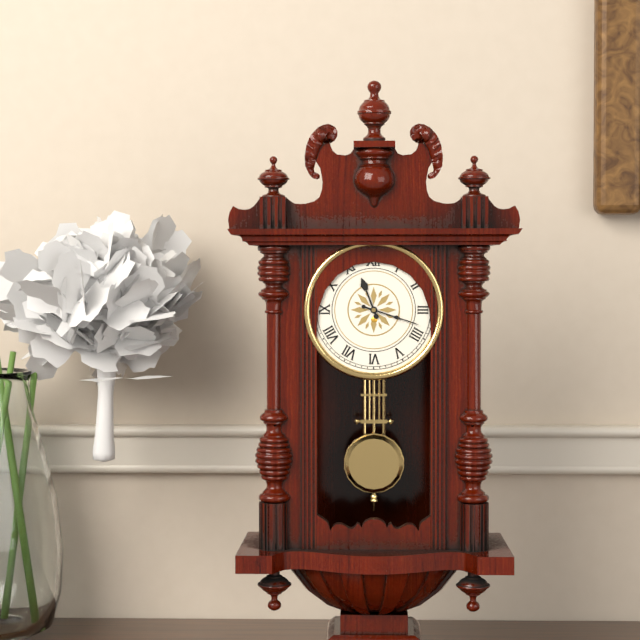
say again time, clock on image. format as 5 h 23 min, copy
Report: 11 h 18 min
